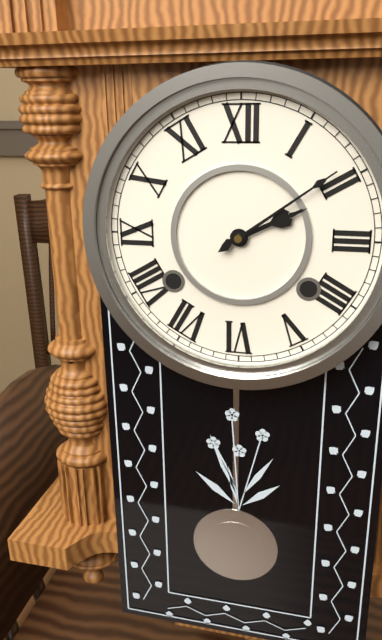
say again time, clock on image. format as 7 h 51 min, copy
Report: 2 h 09 min
